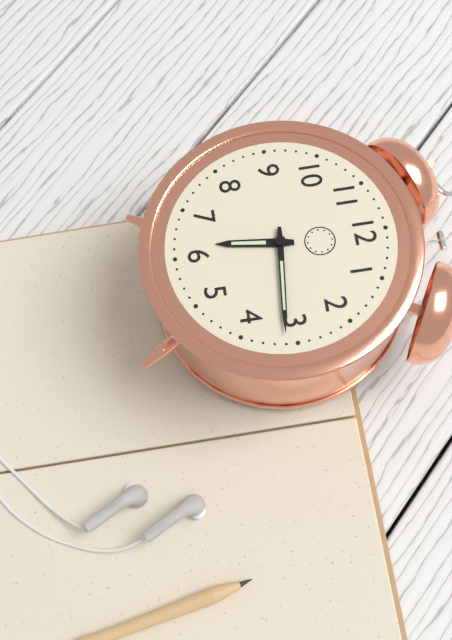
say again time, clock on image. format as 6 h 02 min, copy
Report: 6 h 16 min
